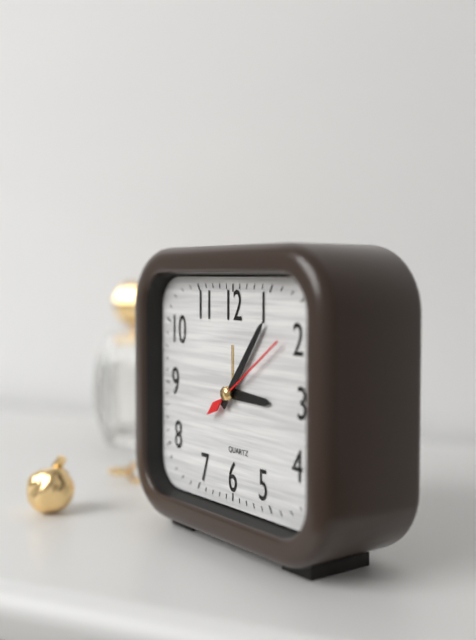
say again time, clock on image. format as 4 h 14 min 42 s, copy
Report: 3 h 06 min 09 s
